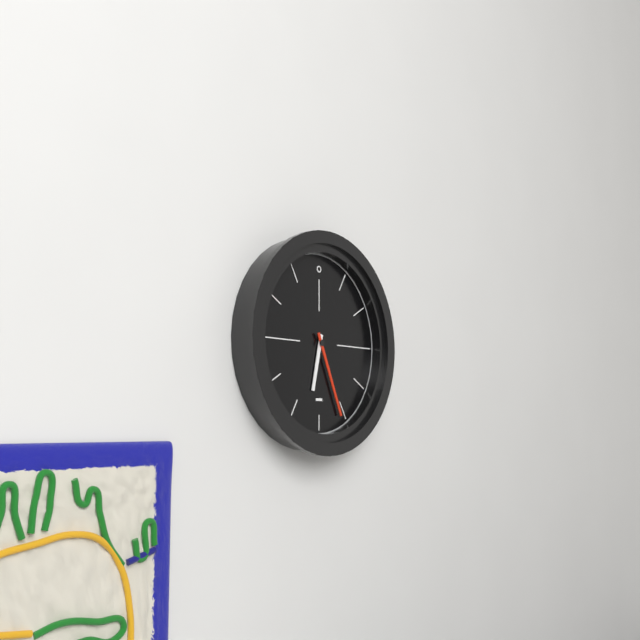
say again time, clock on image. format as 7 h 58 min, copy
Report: 6 h 26 min
